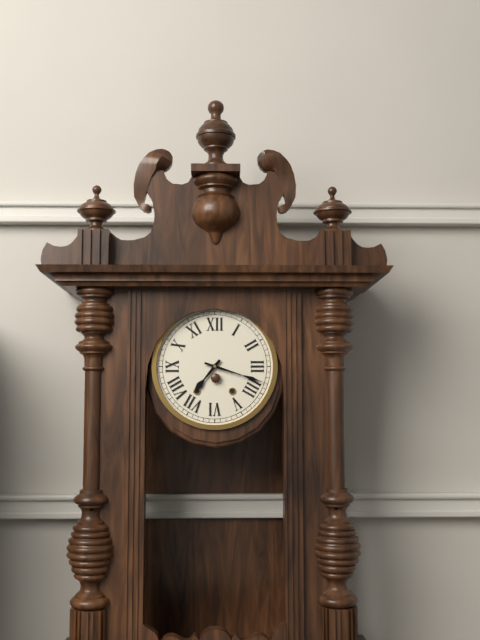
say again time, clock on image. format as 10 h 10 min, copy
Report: 7 h 18 min
